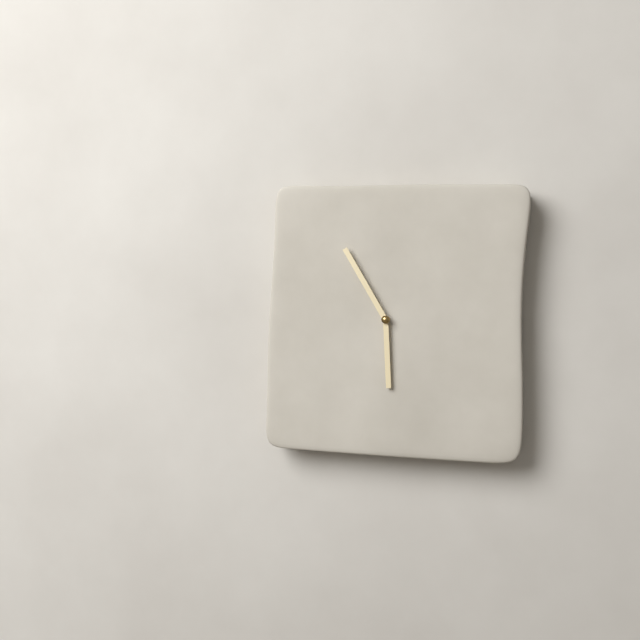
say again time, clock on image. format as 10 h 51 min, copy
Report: 5 h 55 min
